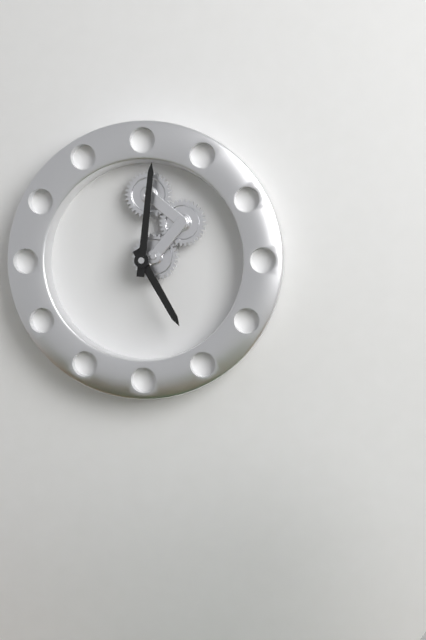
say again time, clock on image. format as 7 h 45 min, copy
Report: 5 h 01 min
